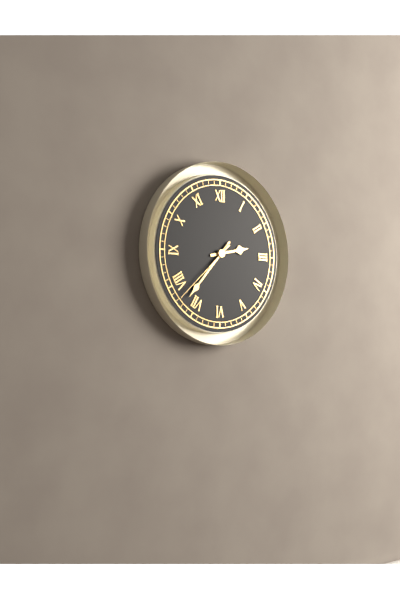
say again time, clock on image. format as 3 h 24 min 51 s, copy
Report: 2 h 37 min 38 s
